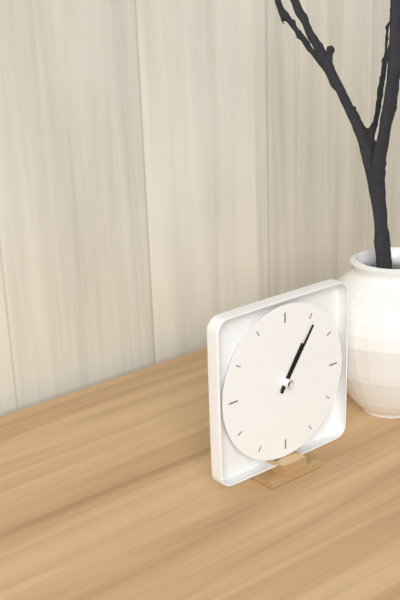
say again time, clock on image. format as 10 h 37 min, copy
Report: 1 h 06 min
